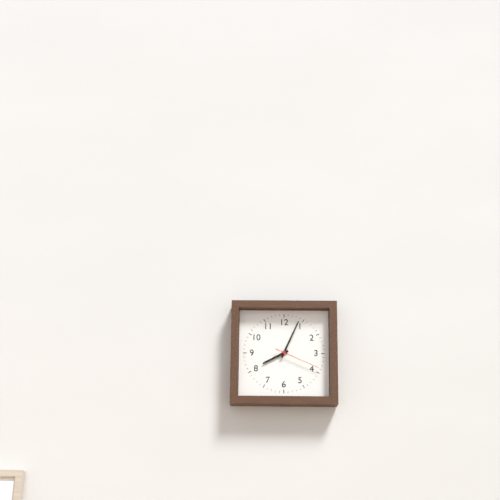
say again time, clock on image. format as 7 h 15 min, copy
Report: 8 h 04 min
